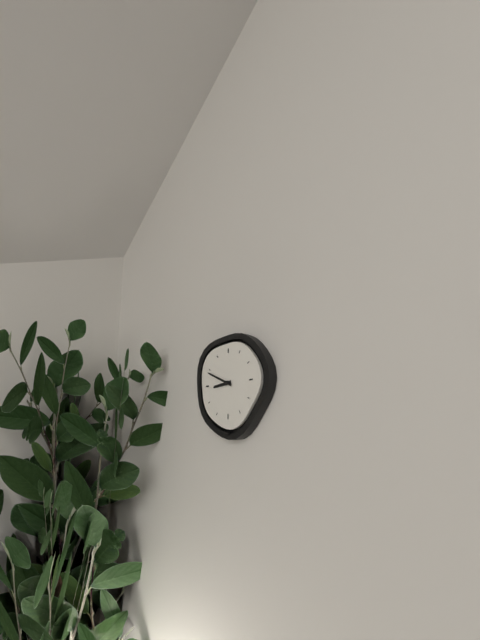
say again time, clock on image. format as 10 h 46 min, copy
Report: 8 h 49 min
